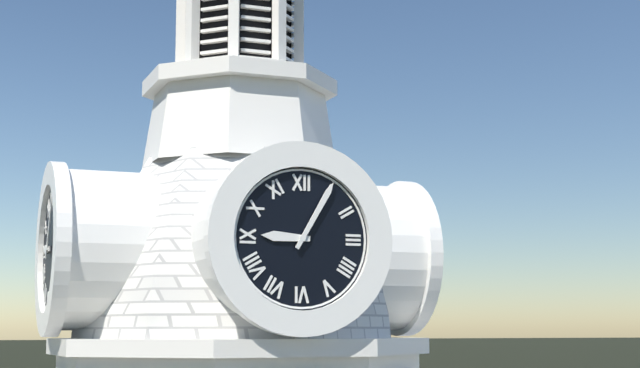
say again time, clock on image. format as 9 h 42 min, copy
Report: 9 h 05 min
